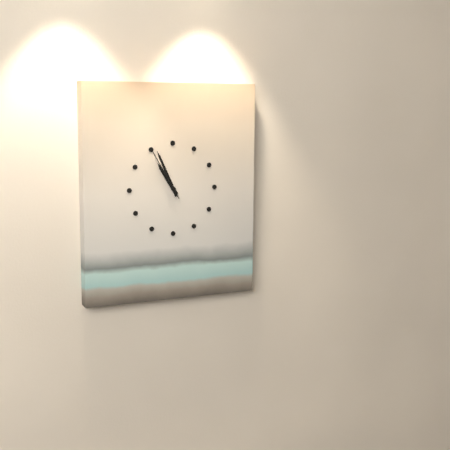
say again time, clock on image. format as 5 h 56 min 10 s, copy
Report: 10 h 56 min 55 s
